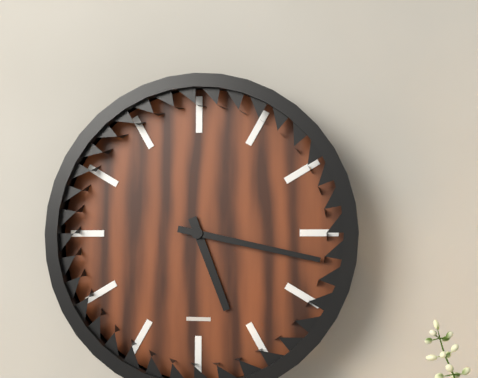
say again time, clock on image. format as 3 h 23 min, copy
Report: 5 h 17 min
